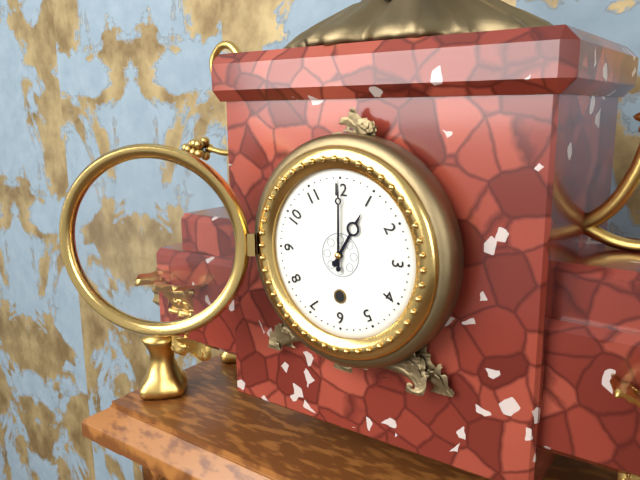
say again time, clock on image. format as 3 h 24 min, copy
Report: 1 h 00 min
